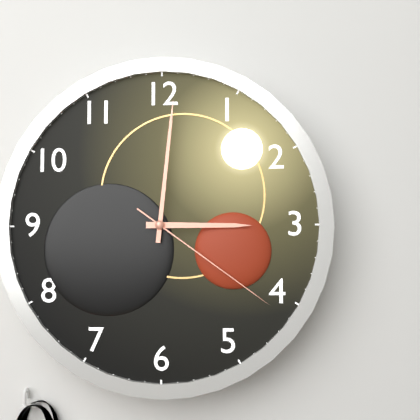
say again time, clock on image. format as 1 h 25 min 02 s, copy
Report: 3 h 01 min 21 s
